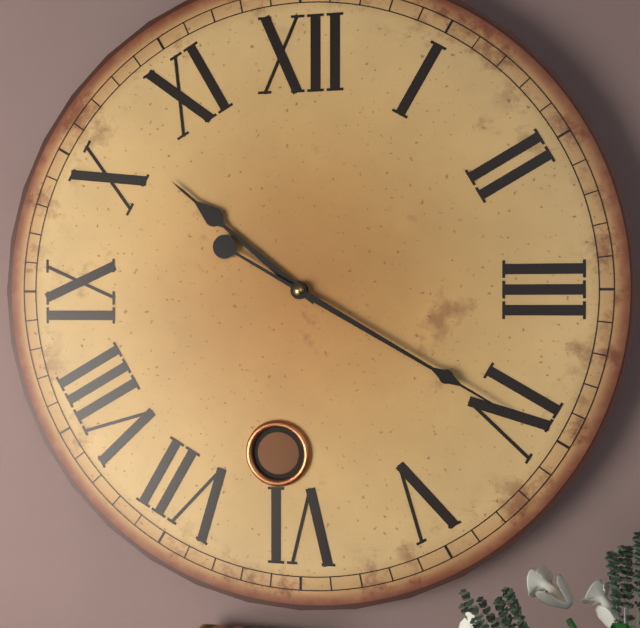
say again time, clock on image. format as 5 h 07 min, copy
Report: 10 h 20 min
